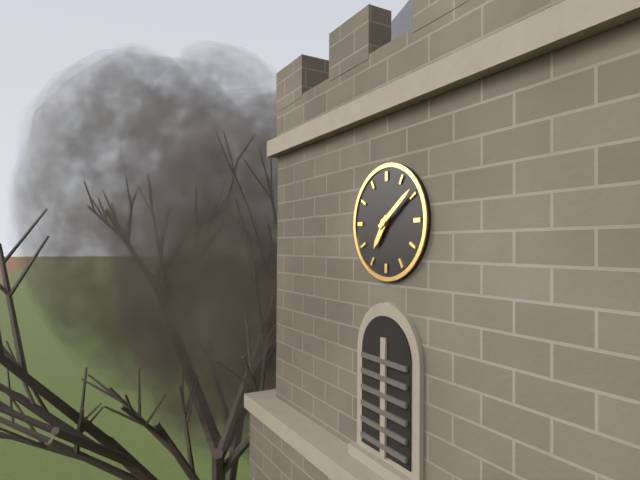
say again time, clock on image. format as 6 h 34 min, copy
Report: 7 h 09 min
